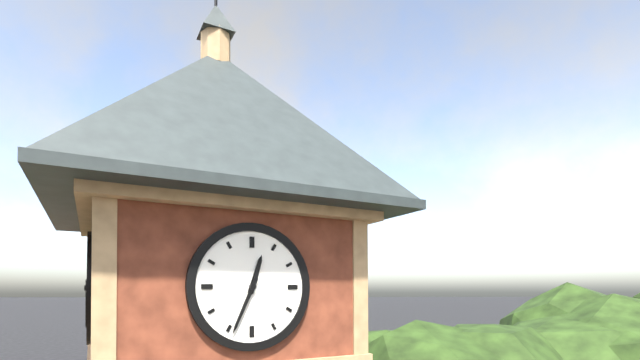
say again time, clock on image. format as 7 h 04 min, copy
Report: 12 h 34 min
